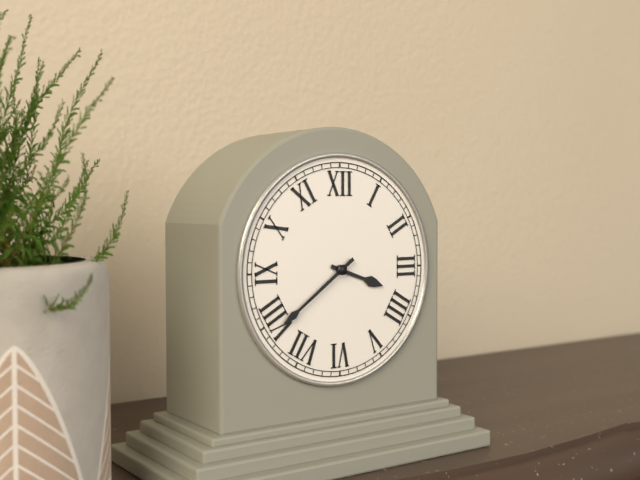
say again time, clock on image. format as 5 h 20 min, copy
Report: 3 h 39 min
